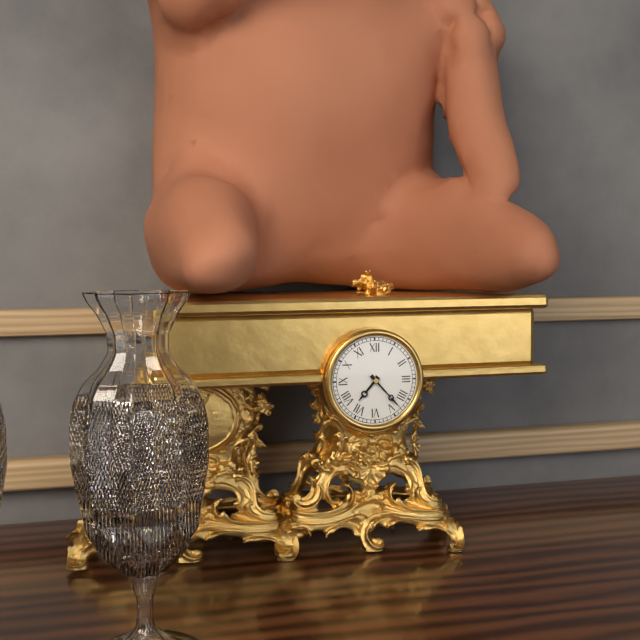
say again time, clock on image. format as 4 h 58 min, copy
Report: 7 h 23 min
